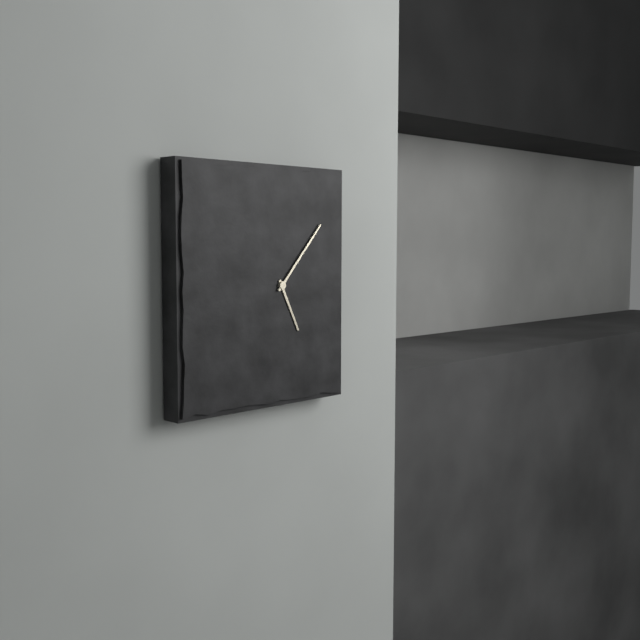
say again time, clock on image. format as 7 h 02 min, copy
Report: 5 h 07 min
